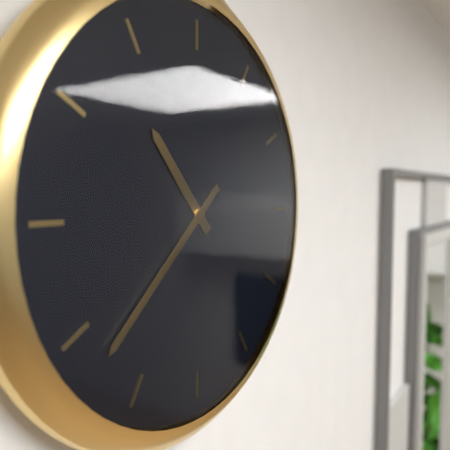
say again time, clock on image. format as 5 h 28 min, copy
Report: 10 h 38 min
